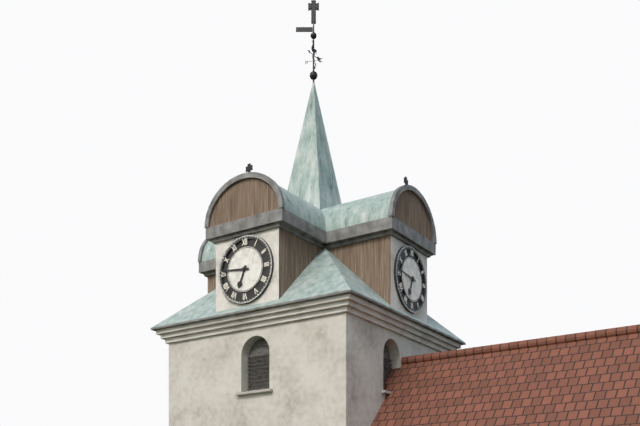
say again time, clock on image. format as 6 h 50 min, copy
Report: 6 h 46 min
